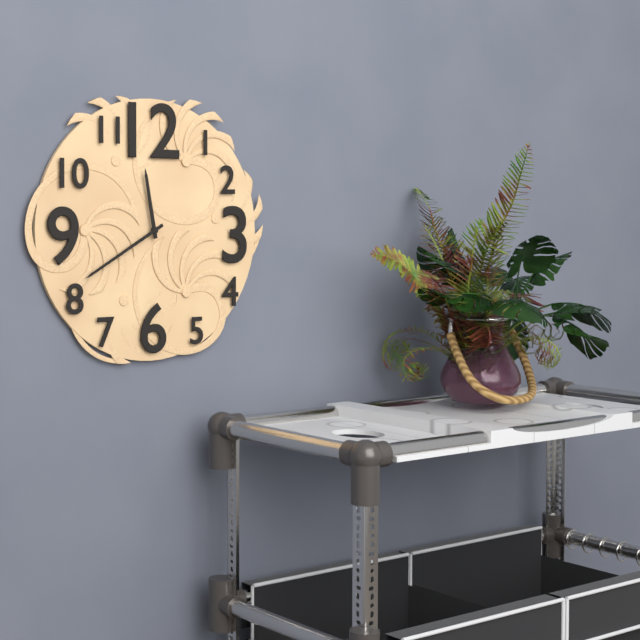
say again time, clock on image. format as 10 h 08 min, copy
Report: 11 h 40 min
